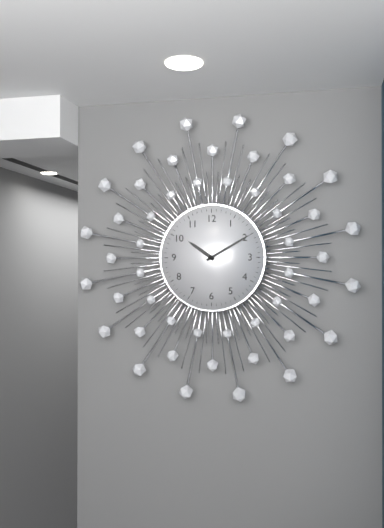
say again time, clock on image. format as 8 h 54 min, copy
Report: 10 h 10 min
